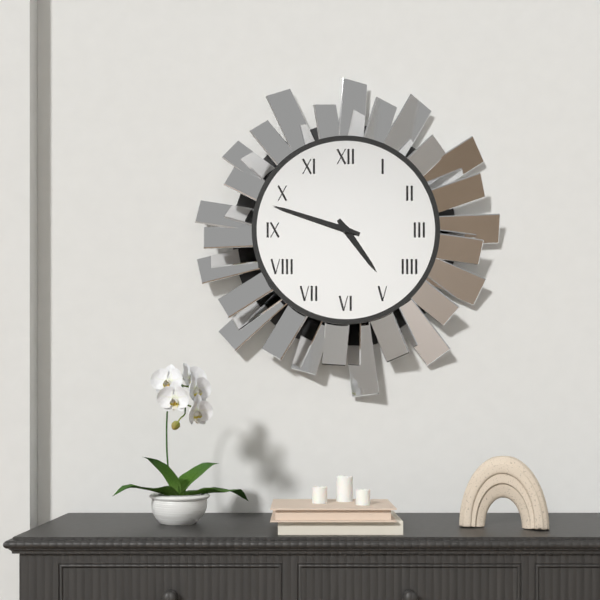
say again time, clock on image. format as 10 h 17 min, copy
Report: 4 h 48 min
